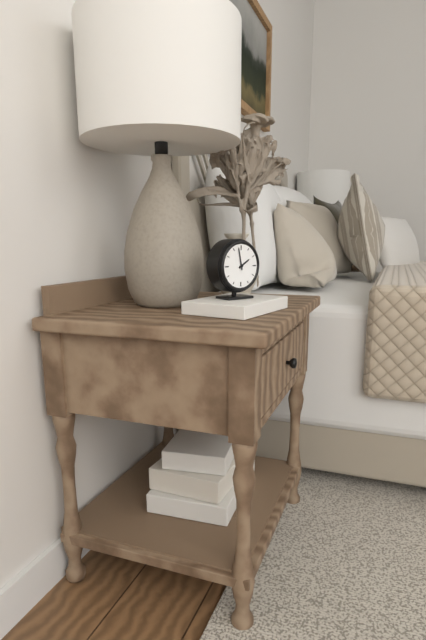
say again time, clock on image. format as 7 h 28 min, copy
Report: 1 h 58 min
